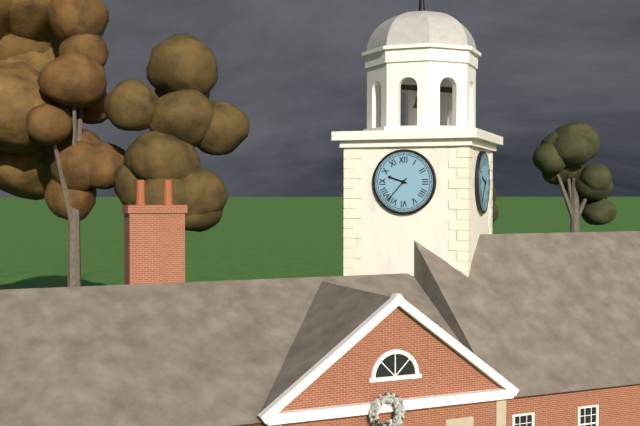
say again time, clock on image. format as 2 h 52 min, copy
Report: 9 h 37 min
